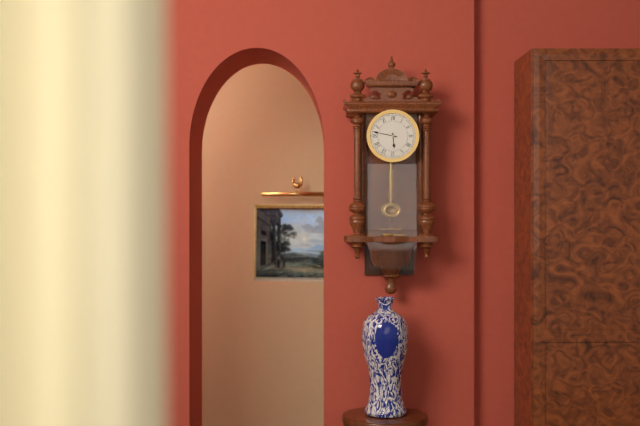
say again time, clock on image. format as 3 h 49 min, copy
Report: 5 h 47 min
